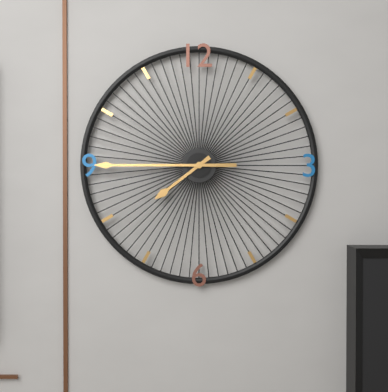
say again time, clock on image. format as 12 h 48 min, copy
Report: 7 h 45 min
